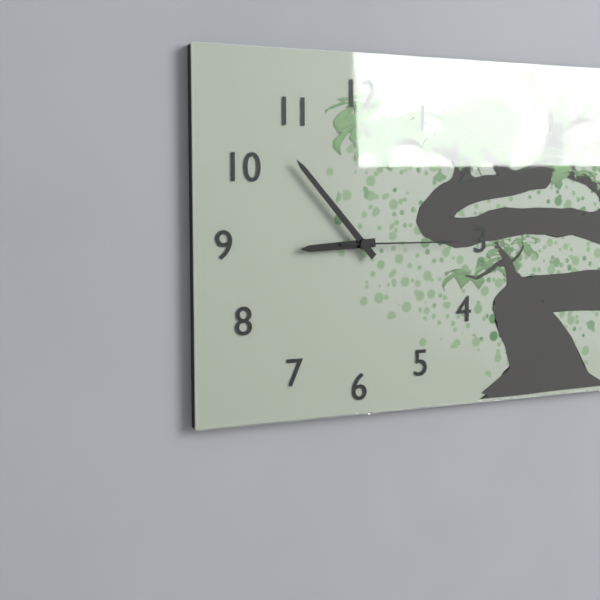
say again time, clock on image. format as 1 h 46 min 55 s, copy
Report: 8 h 53 min 15 s
